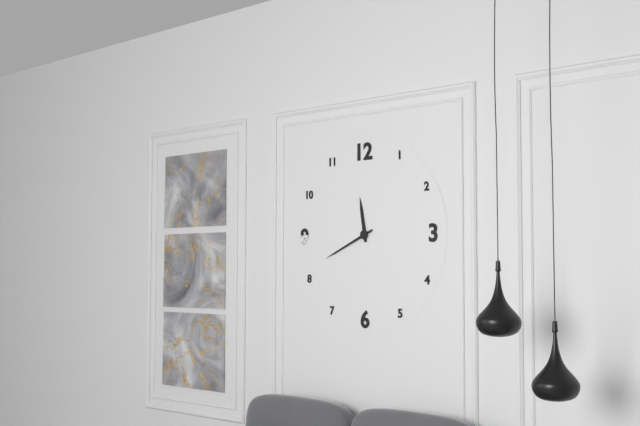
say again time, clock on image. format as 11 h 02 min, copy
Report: 11 h 41 min
